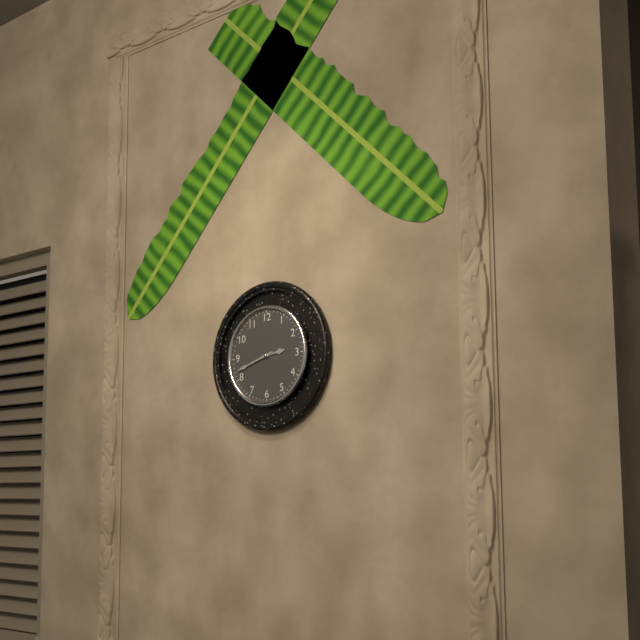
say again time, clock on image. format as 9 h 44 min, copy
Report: 2 h 42 min
